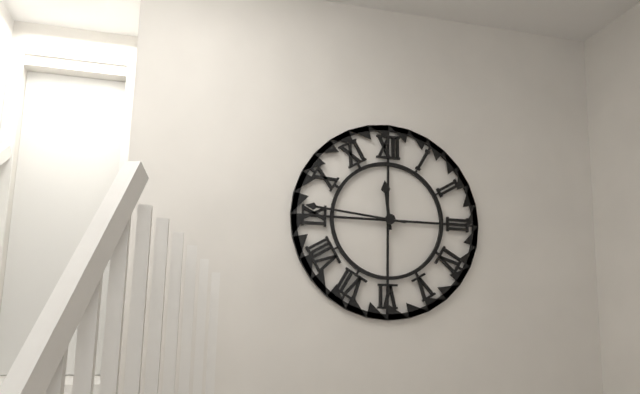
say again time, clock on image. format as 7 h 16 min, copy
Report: 11 h 46 min
